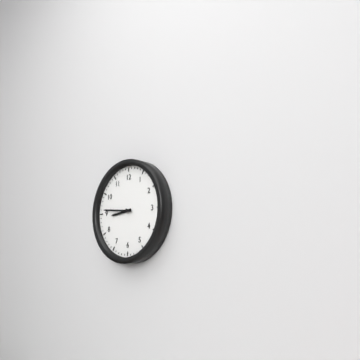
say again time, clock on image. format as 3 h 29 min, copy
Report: 8 h 46 min
